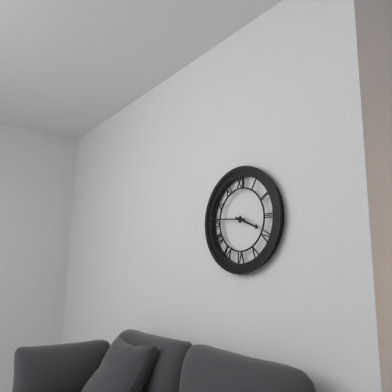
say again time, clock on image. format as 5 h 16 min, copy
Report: 3 h 46 min
